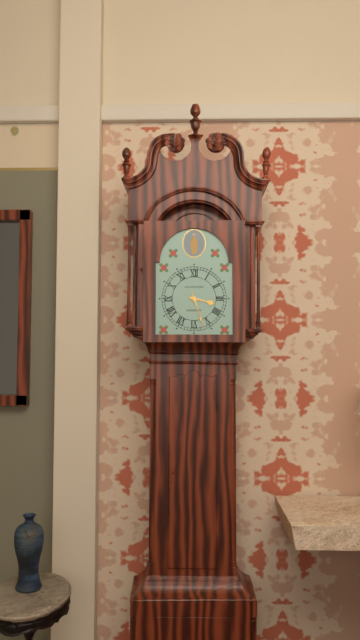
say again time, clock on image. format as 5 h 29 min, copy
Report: 3 h 27 min
